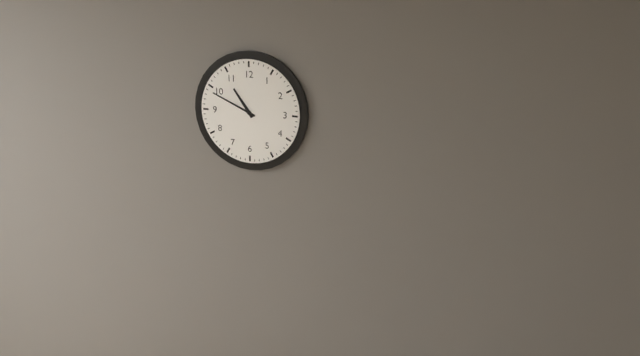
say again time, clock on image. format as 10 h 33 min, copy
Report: 10 h 49 min
